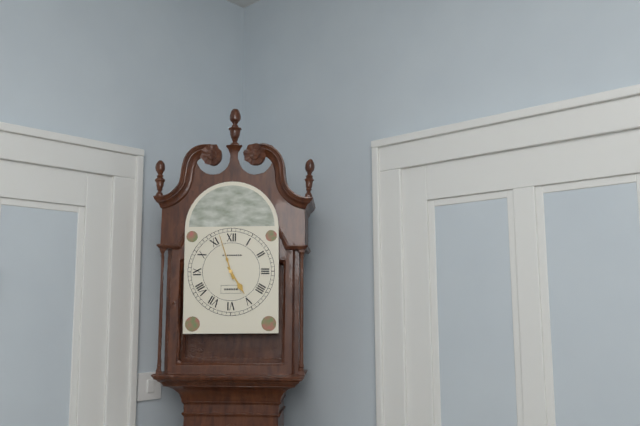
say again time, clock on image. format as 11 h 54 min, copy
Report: 4 h 57 min
